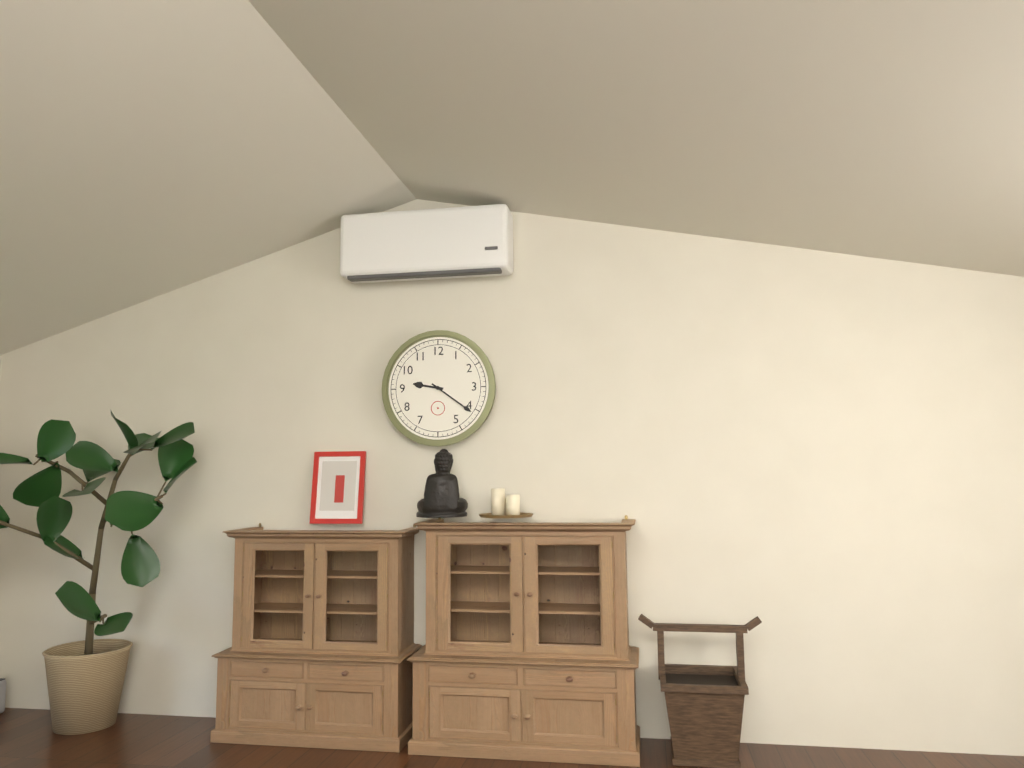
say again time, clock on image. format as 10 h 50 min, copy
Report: 9 h 21 min
